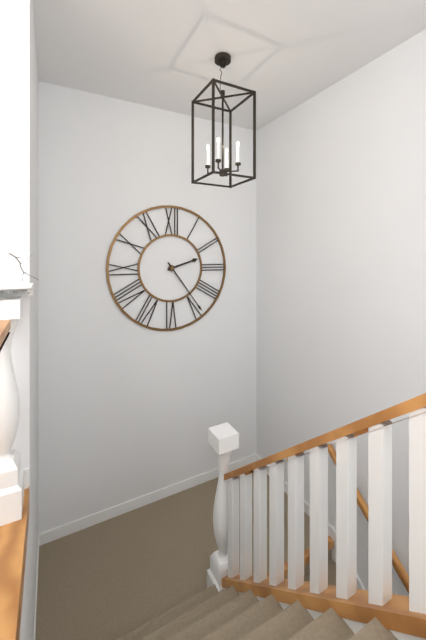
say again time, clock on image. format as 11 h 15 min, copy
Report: 2 h 24 min
